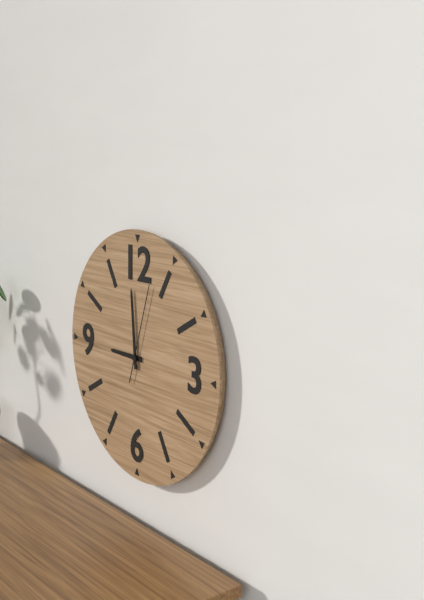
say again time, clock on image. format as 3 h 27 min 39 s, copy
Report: 8 h 59 min 03 s
